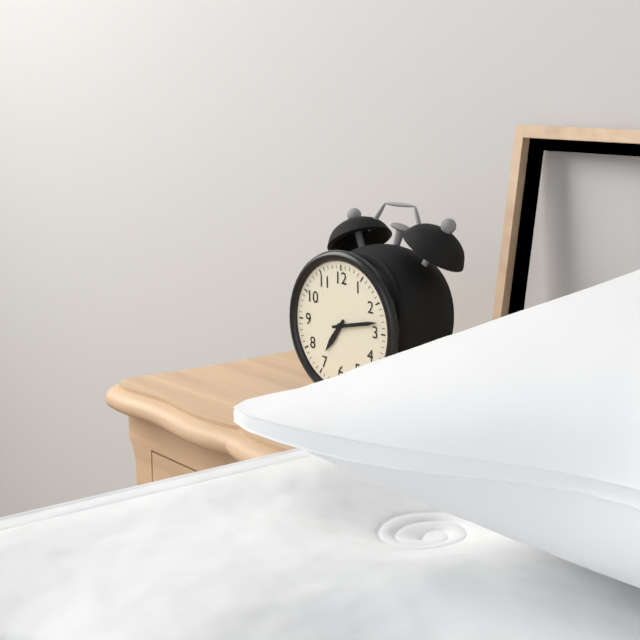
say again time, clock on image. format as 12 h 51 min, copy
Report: 7 h 13 min
